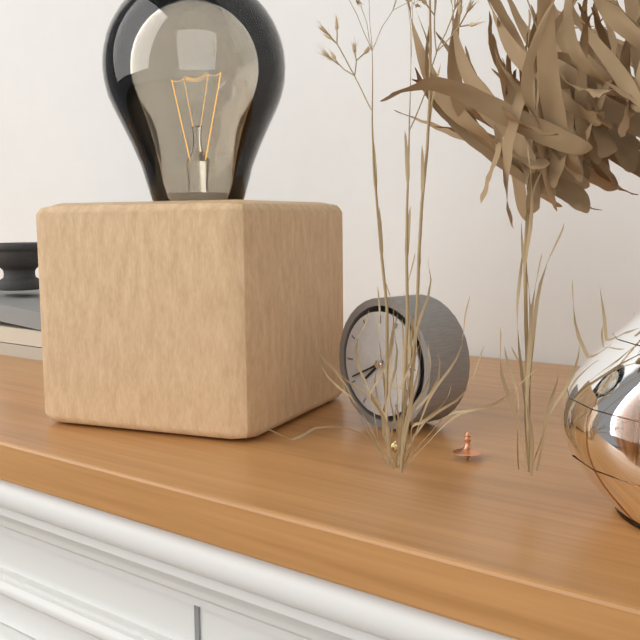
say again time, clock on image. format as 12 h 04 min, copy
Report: 7 h 41 min
